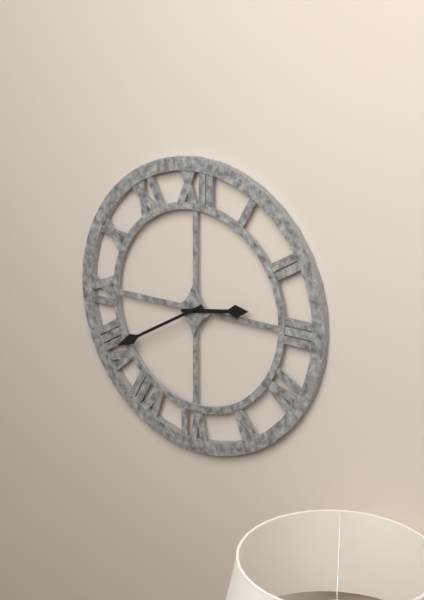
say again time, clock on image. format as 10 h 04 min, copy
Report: 2 h 40 min
